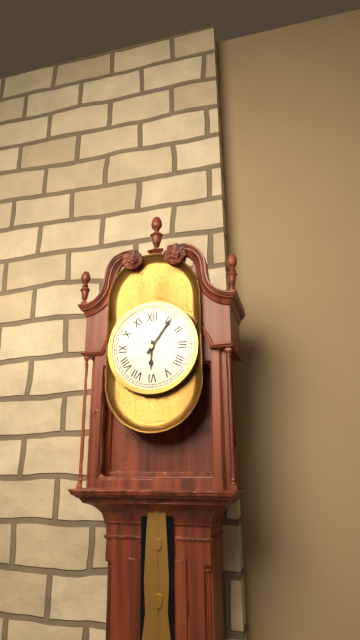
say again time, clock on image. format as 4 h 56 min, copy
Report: 6 h 06 min
